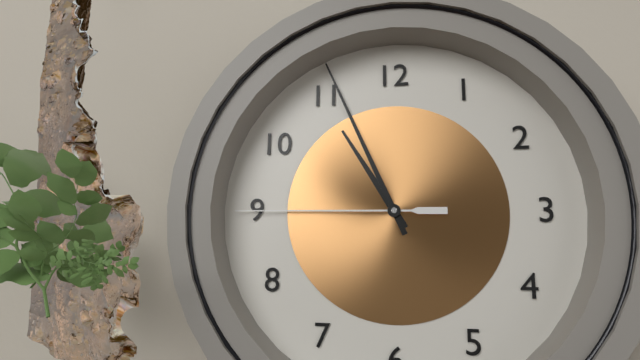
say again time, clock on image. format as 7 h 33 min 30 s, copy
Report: 10 h 56 min 45 s
